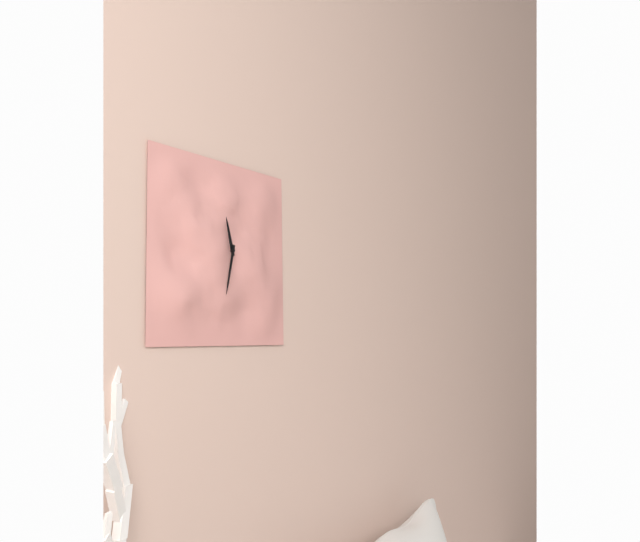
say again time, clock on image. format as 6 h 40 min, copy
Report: 11 h 32 min
